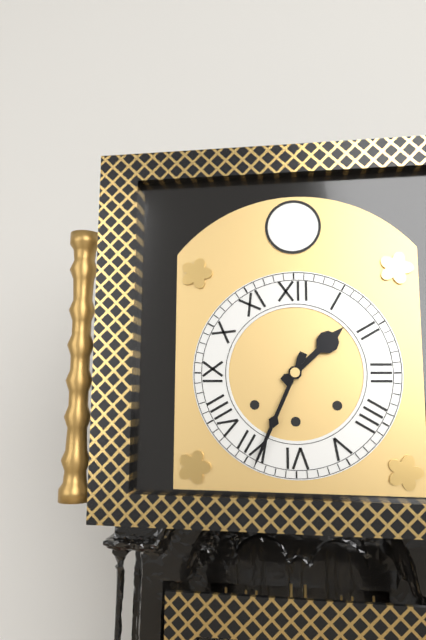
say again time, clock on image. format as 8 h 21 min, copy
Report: 1 h 34 min
